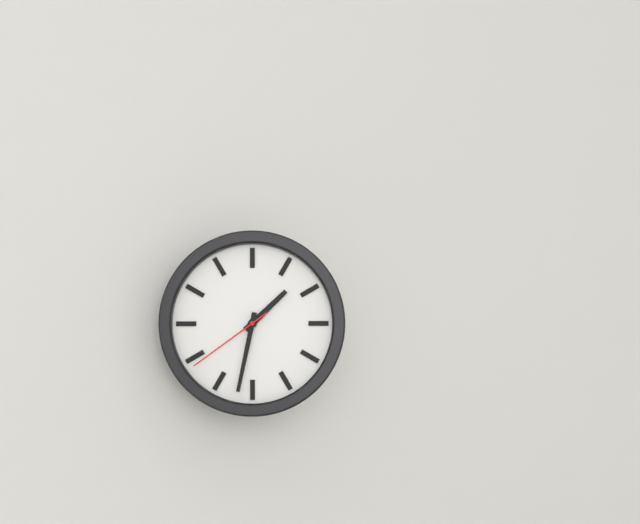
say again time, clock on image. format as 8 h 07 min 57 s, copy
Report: 1 h 32 min 39 s
